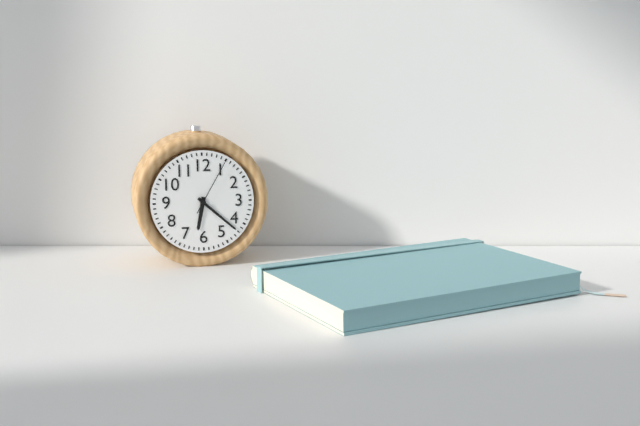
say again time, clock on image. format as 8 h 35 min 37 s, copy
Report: 6 h 22 min 05 s
